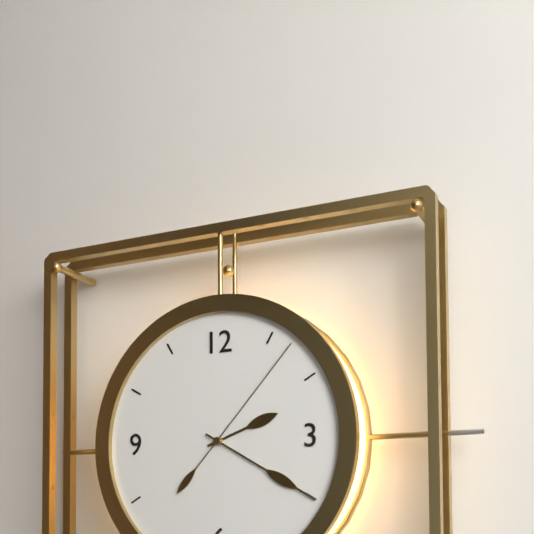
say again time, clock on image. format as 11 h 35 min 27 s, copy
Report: 2 h 20 min 07 s
